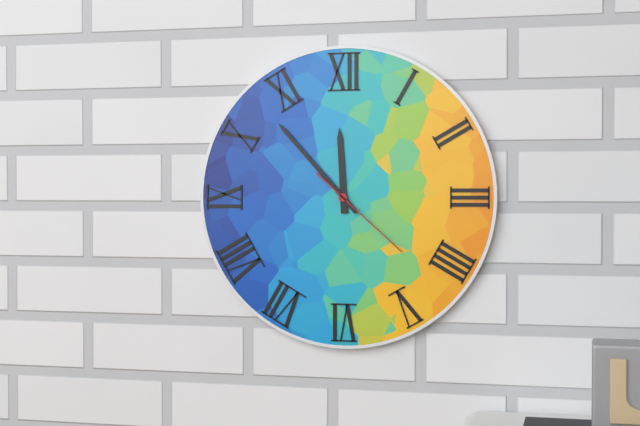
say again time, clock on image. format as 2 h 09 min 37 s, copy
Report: 11 h 53 min 22 s
